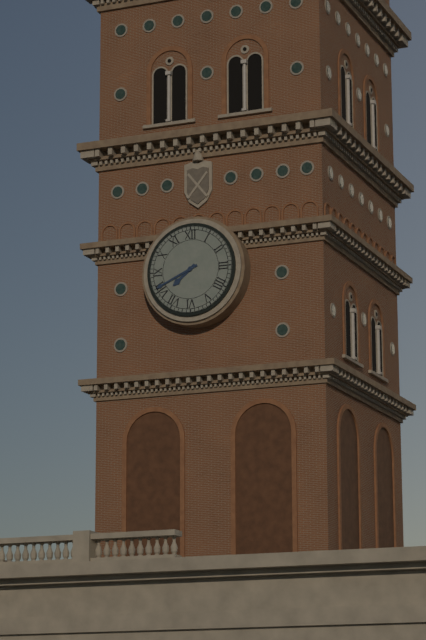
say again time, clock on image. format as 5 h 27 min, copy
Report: 7 h 41 min
